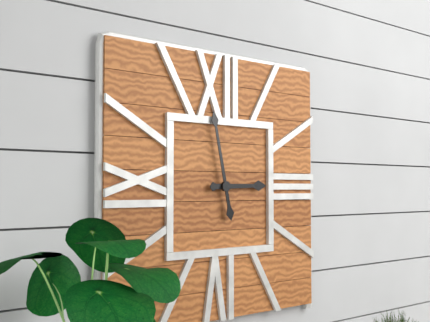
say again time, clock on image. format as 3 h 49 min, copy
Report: 2 h 58 min
